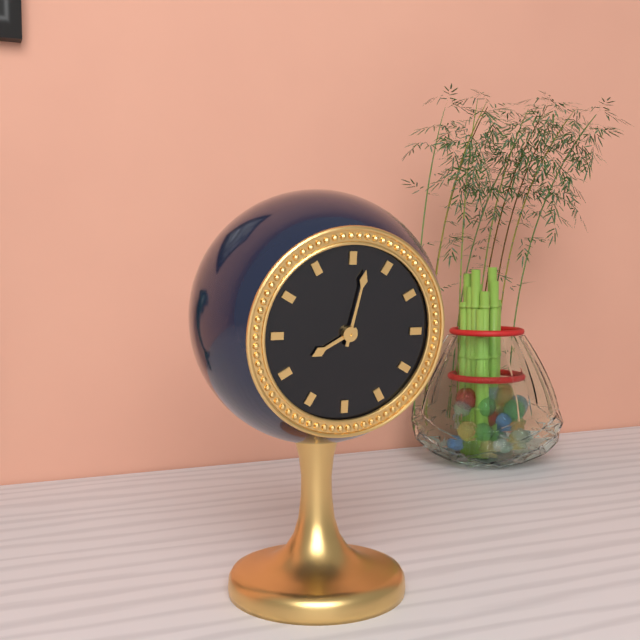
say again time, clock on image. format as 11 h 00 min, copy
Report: 8 h 02 min
